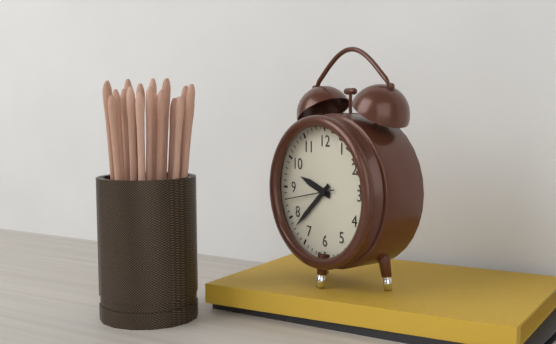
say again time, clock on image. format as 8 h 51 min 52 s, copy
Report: 9 h 38 min 43 s
